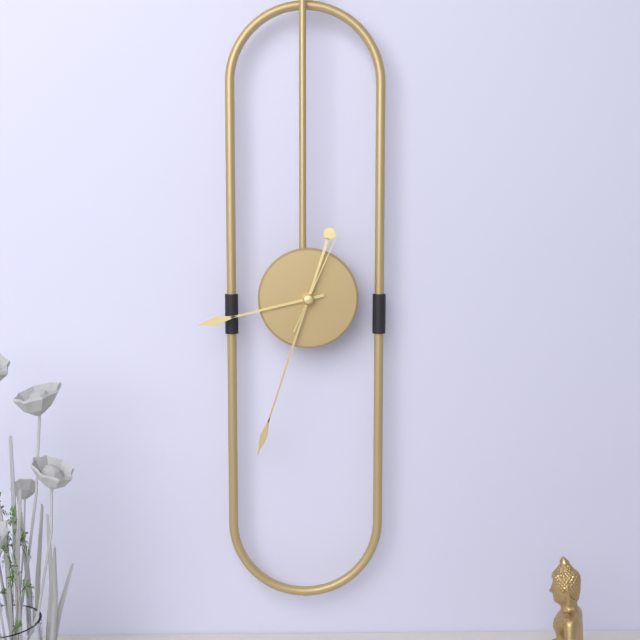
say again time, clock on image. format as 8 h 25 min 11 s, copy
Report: 8 h 33 min 04 s
